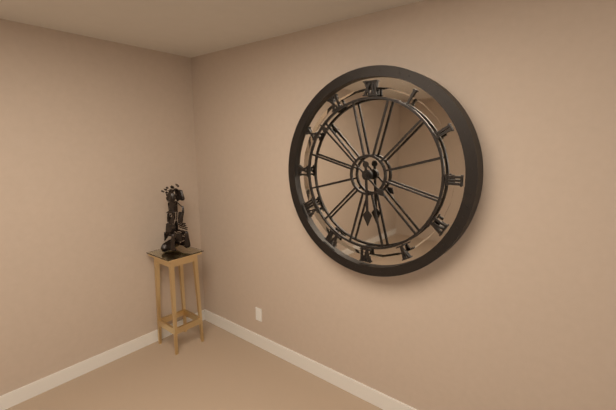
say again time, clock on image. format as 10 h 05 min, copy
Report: 5 h 52 min
